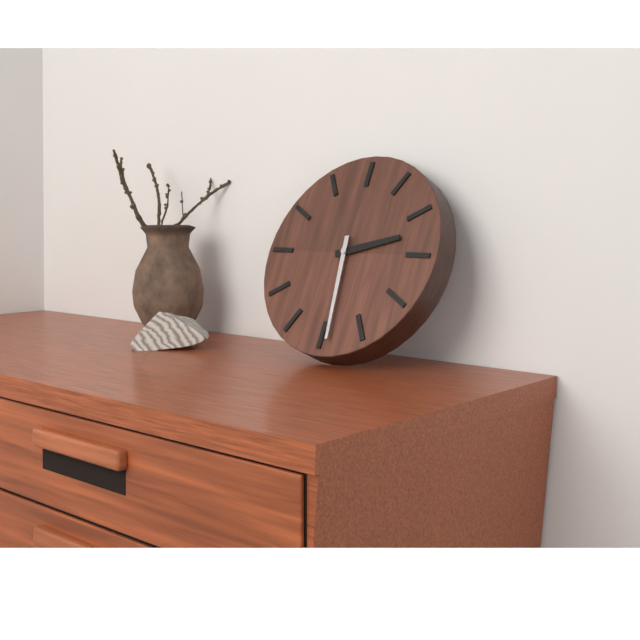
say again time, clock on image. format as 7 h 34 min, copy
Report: 2 h 29 min
